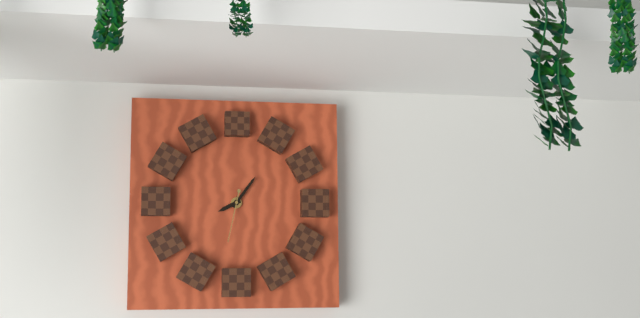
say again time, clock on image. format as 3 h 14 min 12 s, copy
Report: 8 h 06 min 32 s
